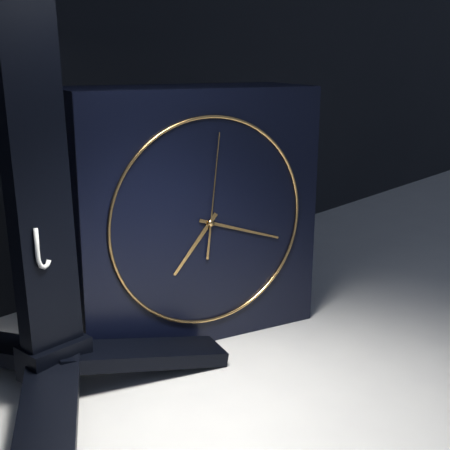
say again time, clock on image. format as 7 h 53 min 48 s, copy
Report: 7 h 18 min 01 s
